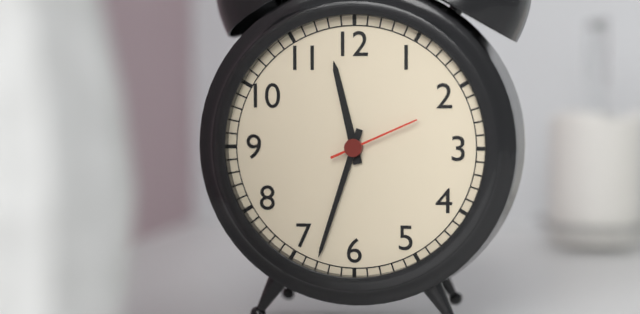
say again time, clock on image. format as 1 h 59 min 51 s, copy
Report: 11 h 33 min 11 s
